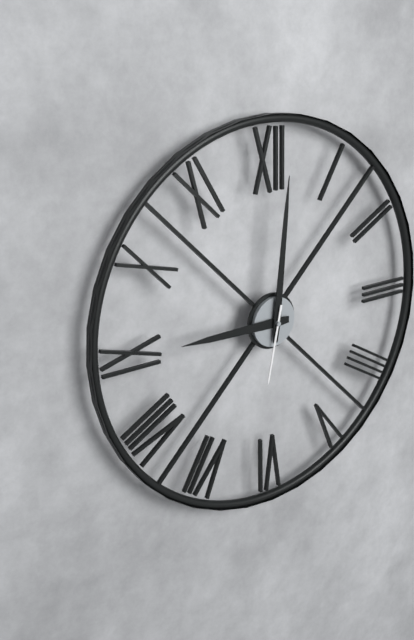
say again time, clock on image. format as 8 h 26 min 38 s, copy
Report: 9 h 01 min 32 s
